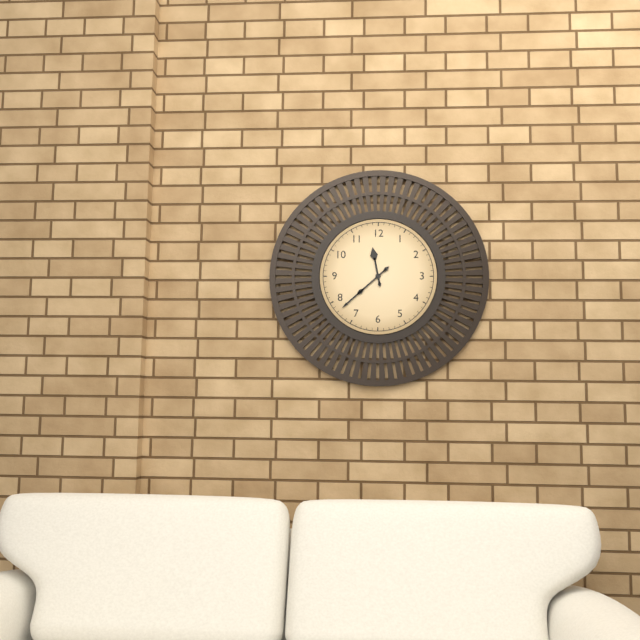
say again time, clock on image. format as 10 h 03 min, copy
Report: 11 h 38 min
